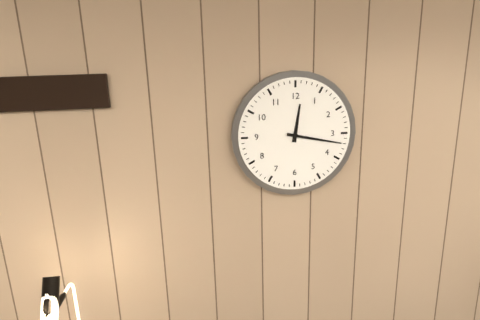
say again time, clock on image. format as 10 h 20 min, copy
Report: 12 h 17 min
